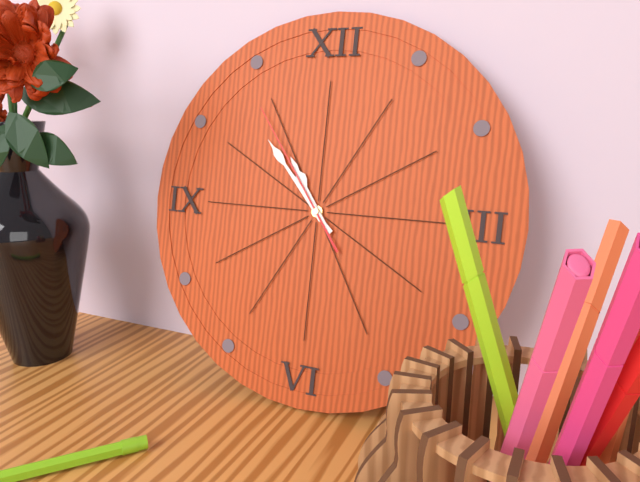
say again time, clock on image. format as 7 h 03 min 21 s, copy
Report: 10 h 53 min 54 s
